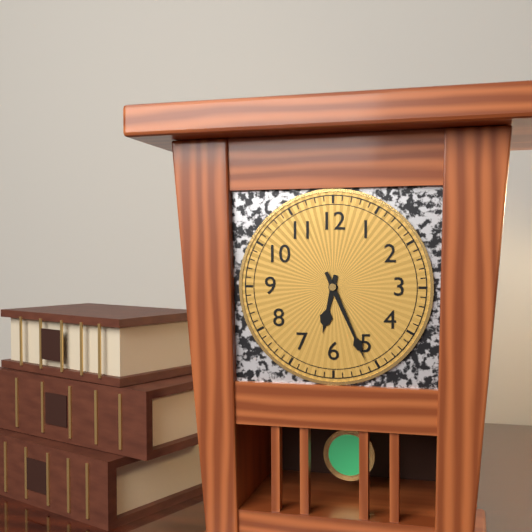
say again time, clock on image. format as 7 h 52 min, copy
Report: 6 h 26 min
